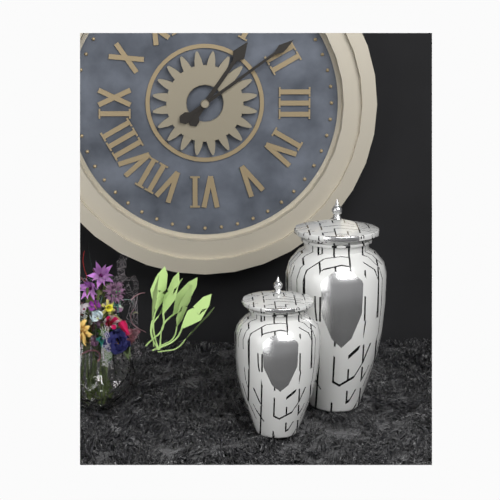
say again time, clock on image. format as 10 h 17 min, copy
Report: 1 h 09 min
